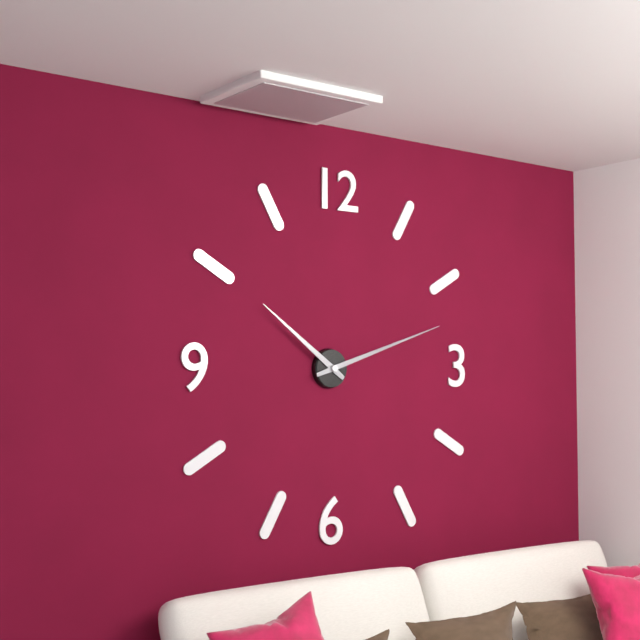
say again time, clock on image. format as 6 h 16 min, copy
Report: 10 h 12 min
